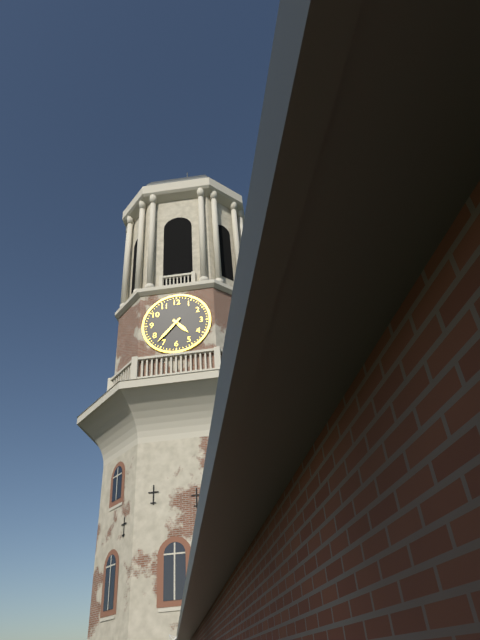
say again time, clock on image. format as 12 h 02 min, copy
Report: 4 h 37 min
